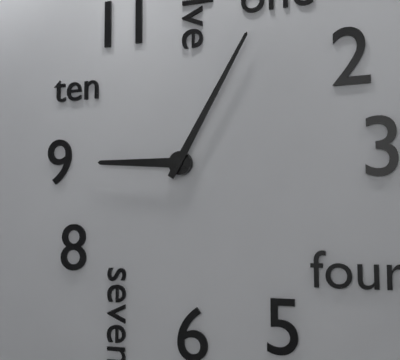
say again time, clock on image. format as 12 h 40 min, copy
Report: 9 h 05 min
